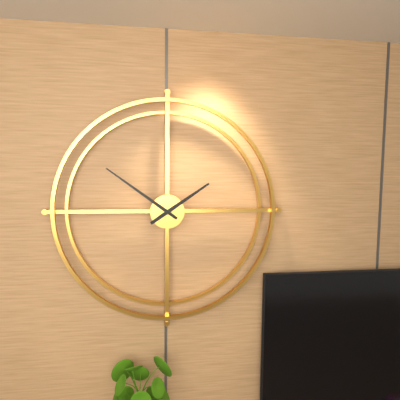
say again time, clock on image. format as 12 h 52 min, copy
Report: 1 h 51 min
